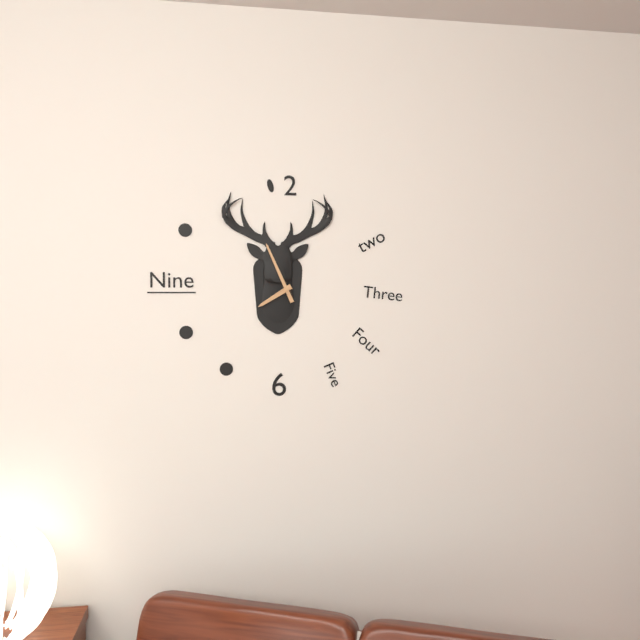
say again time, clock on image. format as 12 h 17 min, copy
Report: 7 h 56 min
